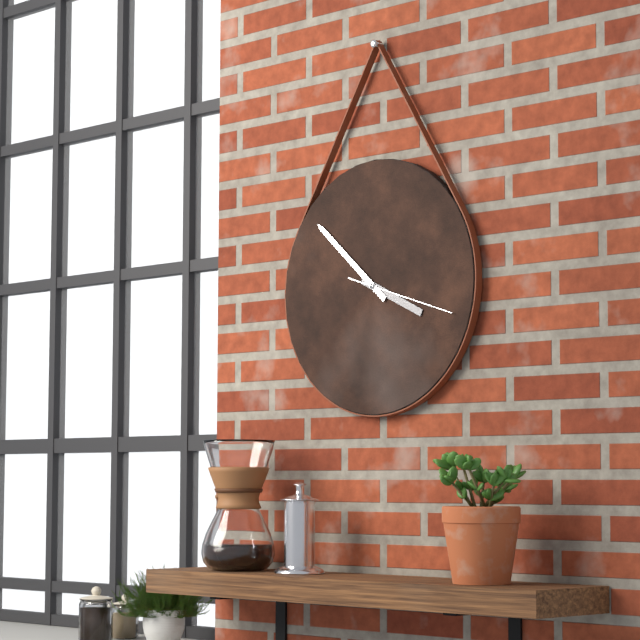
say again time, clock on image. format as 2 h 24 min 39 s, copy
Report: 3 h 52 min 18 s
